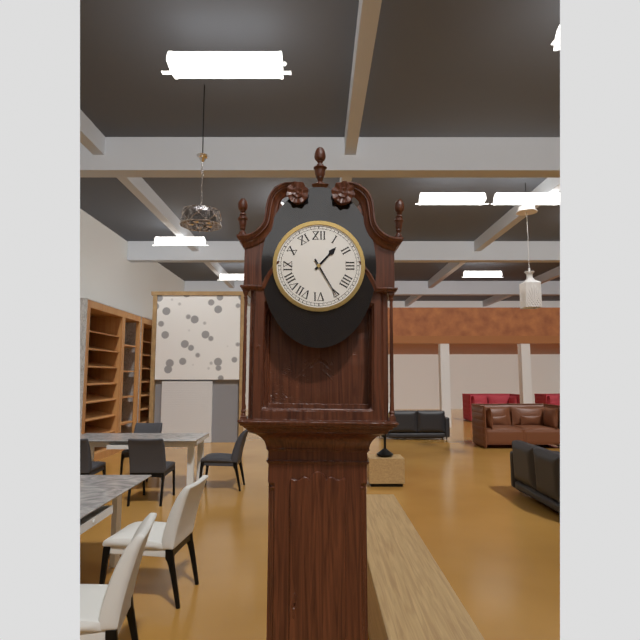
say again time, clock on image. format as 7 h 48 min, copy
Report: 1 h 25 min
